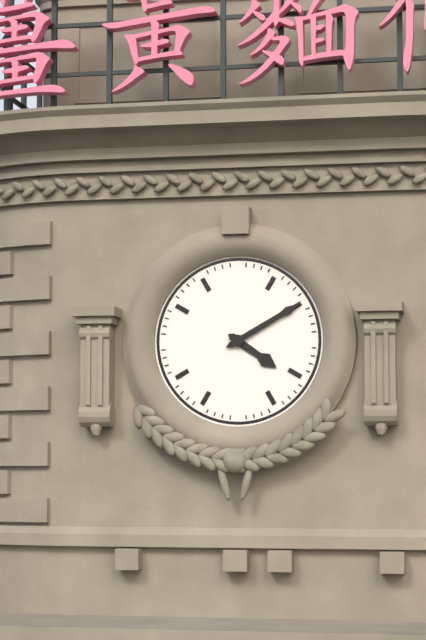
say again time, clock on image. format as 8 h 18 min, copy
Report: 4 h 10 min
